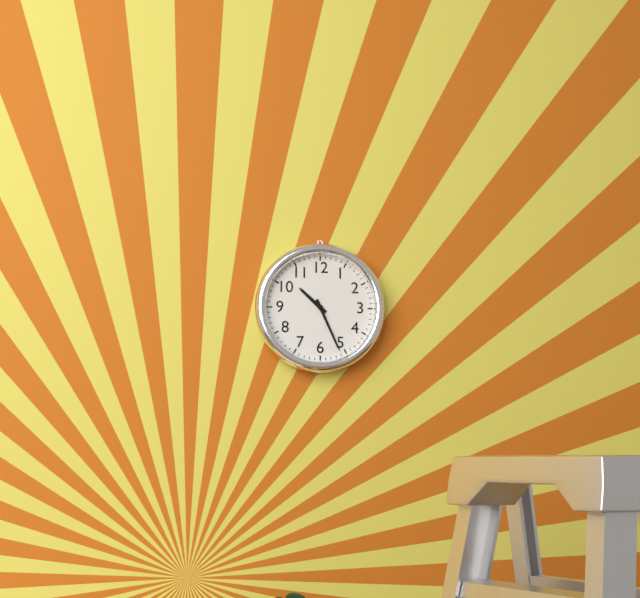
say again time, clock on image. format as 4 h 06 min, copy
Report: 10 h 26 min
